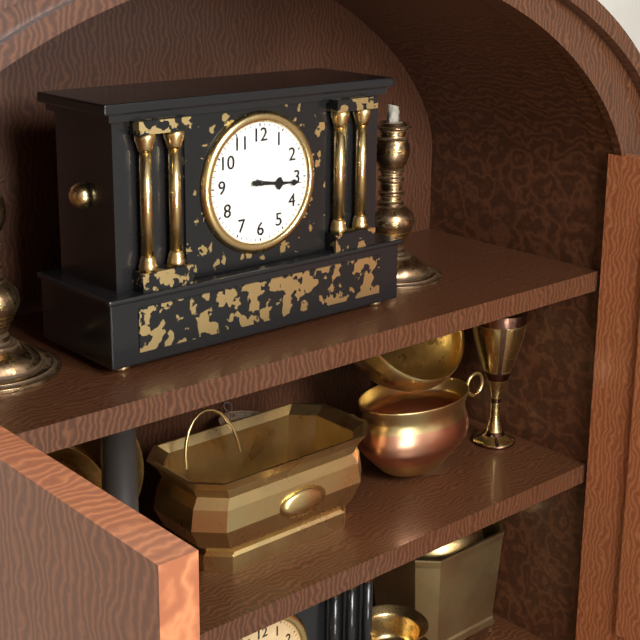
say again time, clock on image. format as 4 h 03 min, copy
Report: 3 h 16 min
